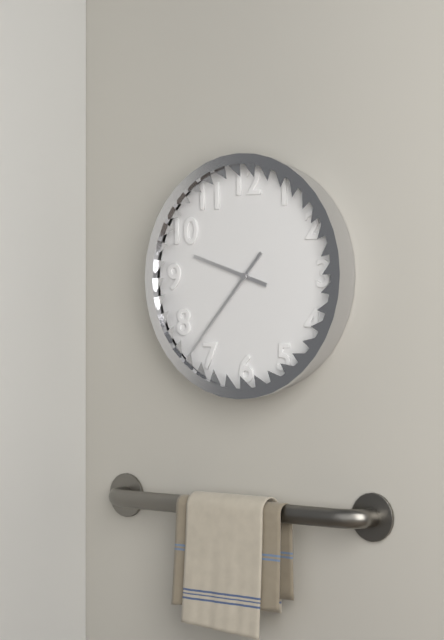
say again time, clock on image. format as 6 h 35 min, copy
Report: 9 h 37 min
